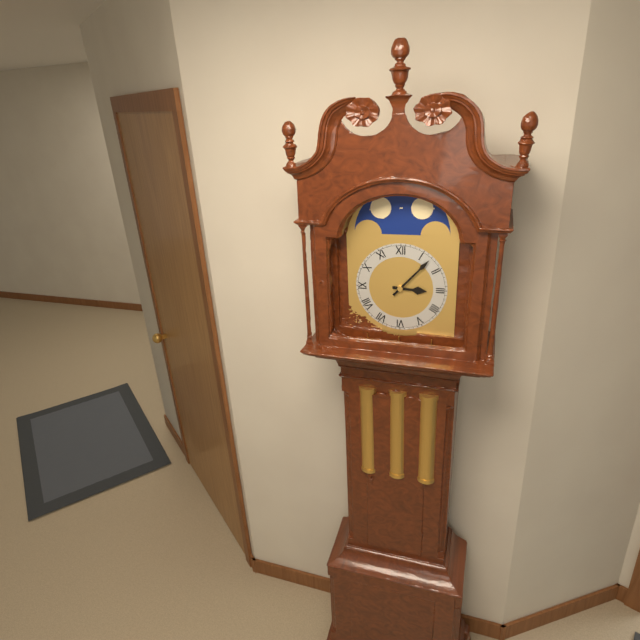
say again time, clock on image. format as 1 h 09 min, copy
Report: 3 h 07 min
